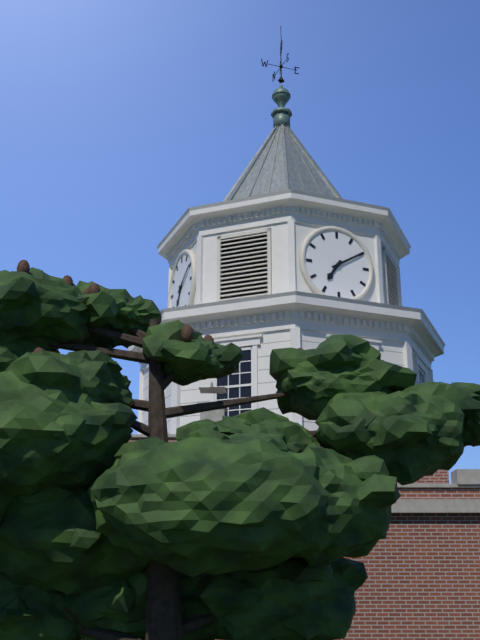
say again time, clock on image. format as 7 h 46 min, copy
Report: 7 h 10 min
